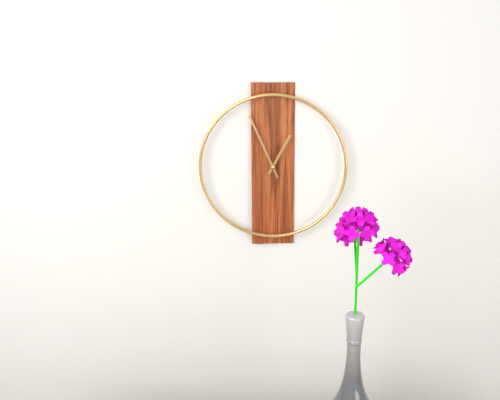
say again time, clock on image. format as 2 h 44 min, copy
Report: 12 h 56 min
